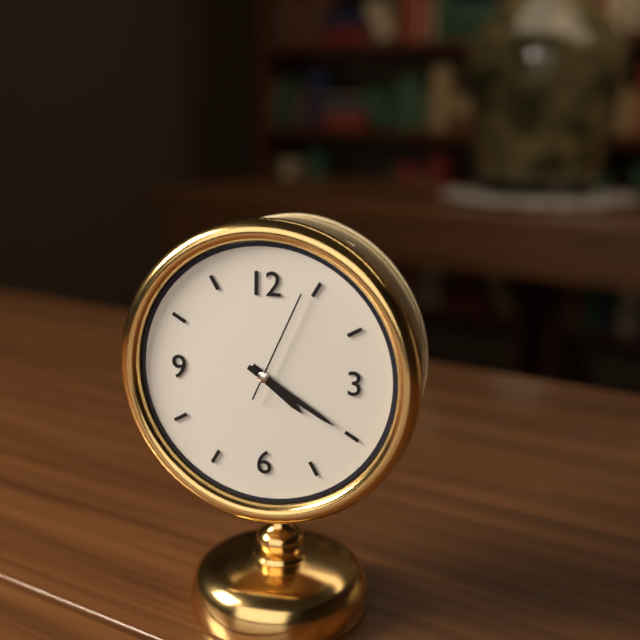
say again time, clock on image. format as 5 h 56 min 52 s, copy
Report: 4 h 20 min 04 s
